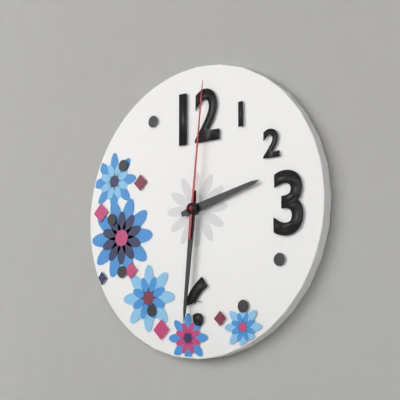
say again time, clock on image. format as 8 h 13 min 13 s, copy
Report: 2 h 31 min 01 s
